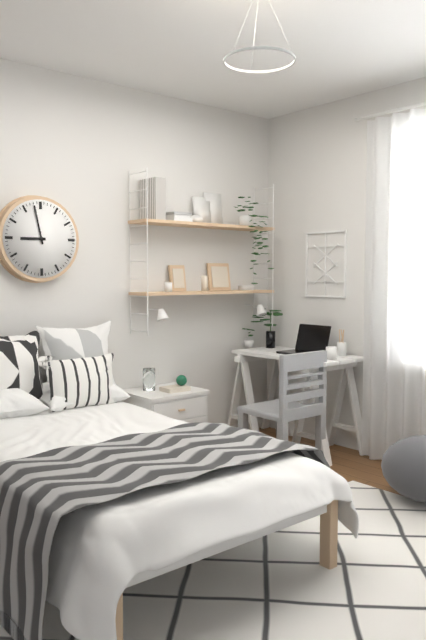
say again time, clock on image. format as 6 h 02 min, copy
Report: 8 h 58 min
